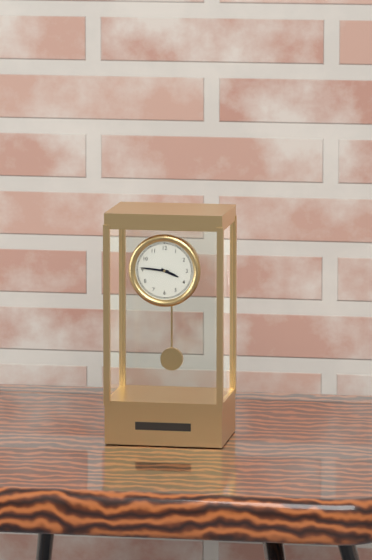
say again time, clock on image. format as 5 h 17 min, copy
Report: 3 h 46 min
